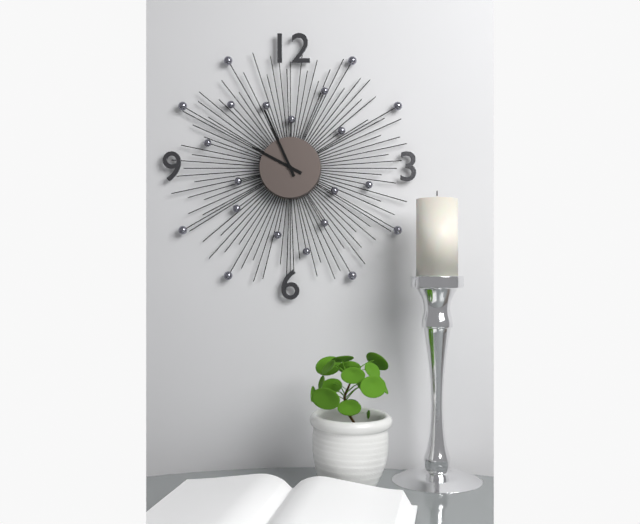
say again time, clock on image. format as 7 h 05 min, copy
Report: 9 h 56 min
